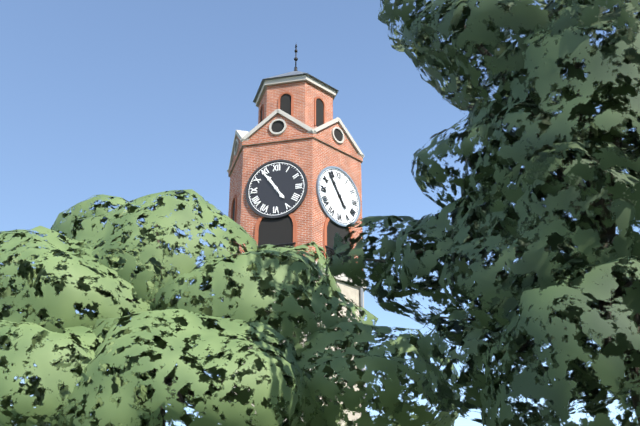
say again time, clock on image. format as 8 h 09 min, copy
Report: 10 h 54 min
